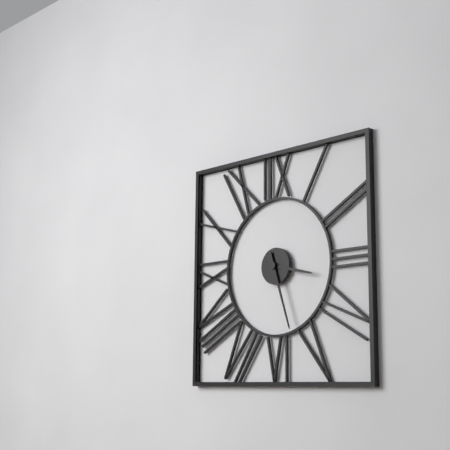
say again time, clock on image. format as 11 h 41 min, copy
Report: 3 h 27 min
